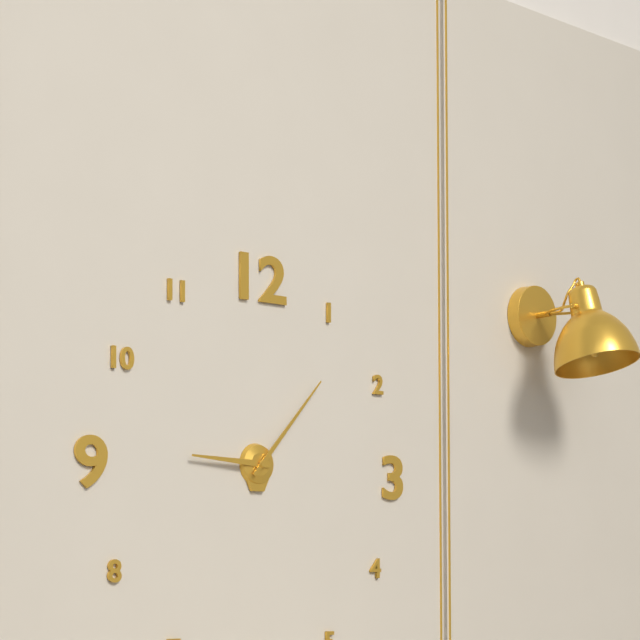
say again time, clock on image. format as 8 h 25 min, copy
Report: 9 h 07 min
